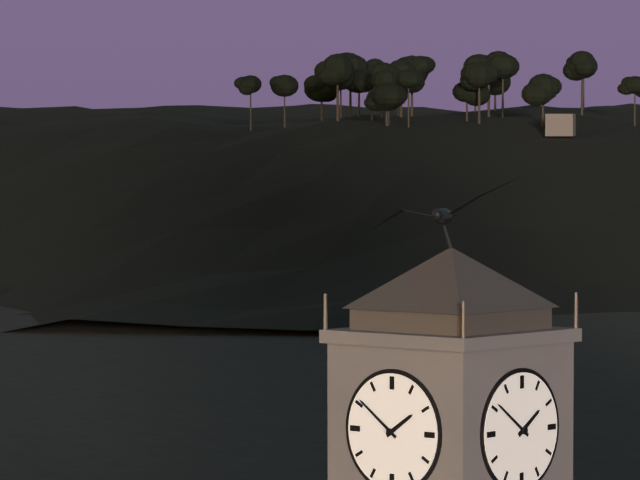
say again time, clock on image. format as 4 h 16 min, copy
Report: 1 h 51 min
